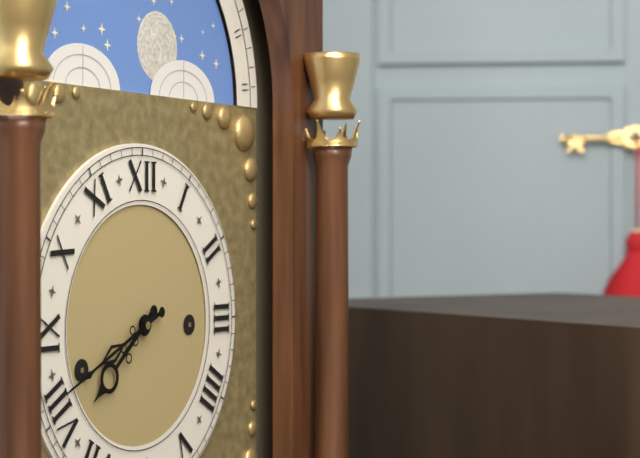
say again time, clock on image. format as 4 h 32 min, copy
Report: 7 h 41 min
